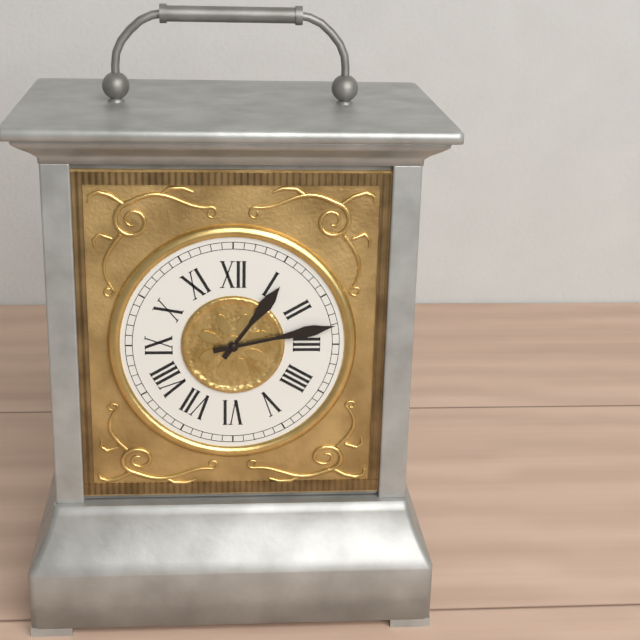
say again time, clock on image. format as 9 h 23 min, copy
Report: 1 h 13 min
